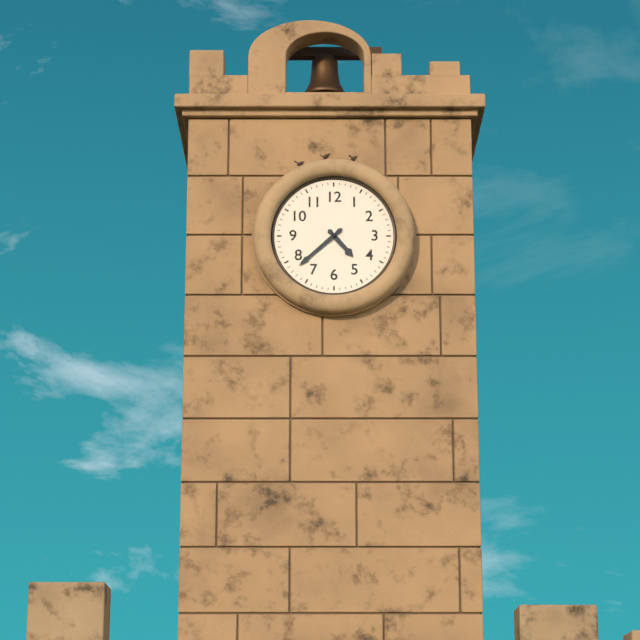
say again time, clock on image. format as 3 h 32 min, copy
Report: 4 h 38 min
